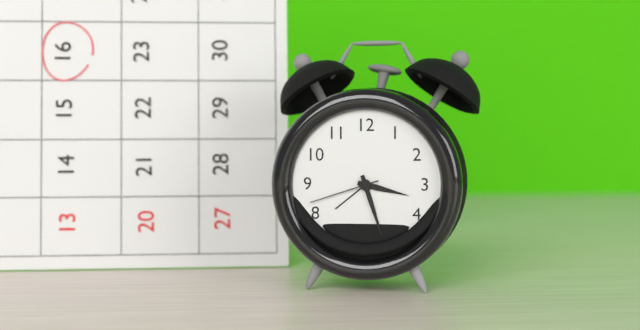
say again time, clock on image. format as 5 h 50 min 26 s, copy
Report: 3 h 27 min 42 s
